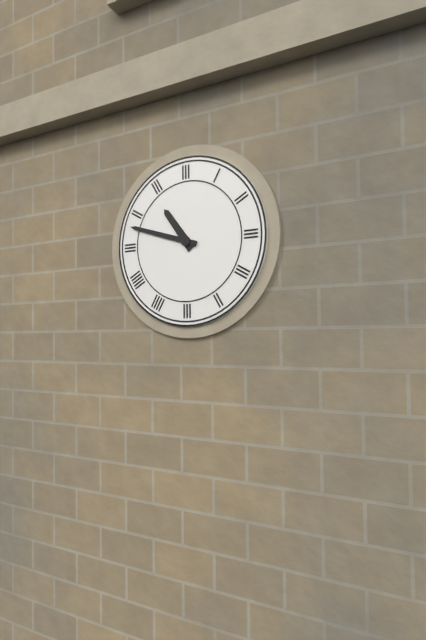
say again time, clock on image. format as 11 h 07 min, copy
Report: 10 h 48 min
